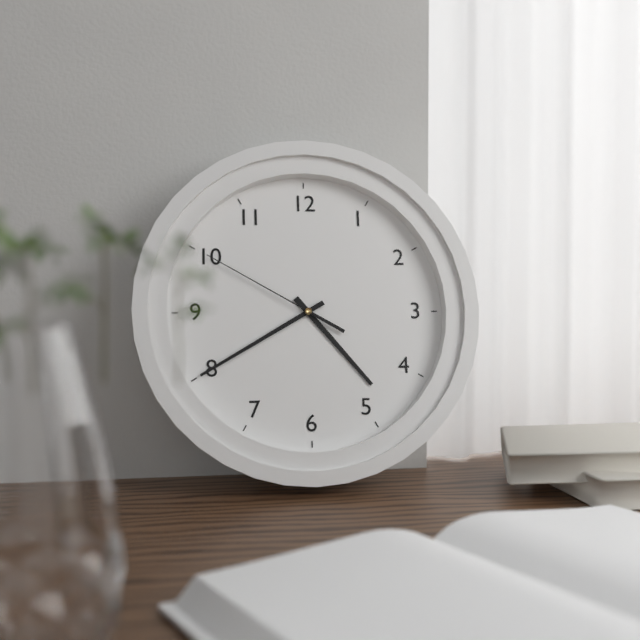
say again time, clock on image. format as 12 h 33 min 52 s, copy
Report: 4 h 40 min 50 s
